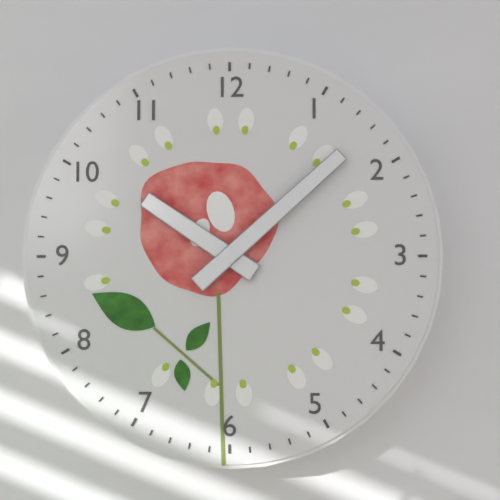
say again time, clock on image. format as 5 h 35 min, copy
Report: 10 h 08 min
